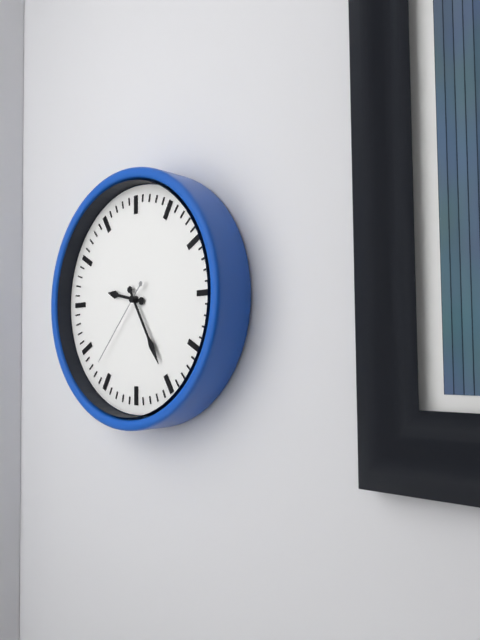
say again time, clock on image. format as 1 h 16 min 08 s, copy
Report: 9 h 25 min 37 s
